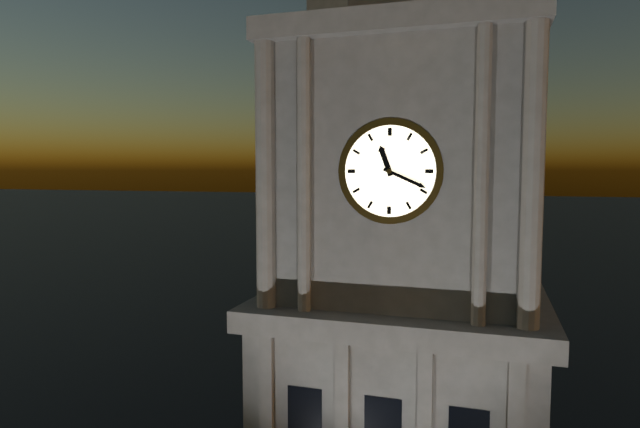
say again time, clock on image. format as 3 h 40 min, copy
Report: 11 h 19 min
